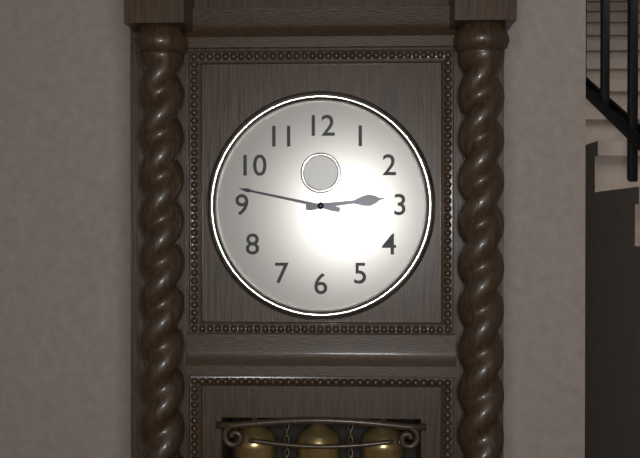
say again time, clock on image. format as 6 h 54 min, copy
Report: 2 h 47 min
